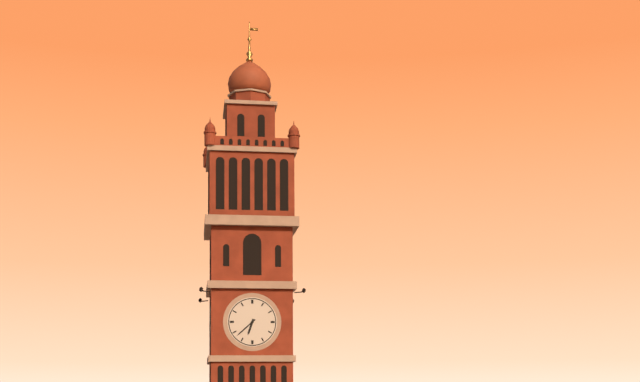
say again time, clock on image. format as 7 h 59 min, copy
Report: 6 h 38 min
